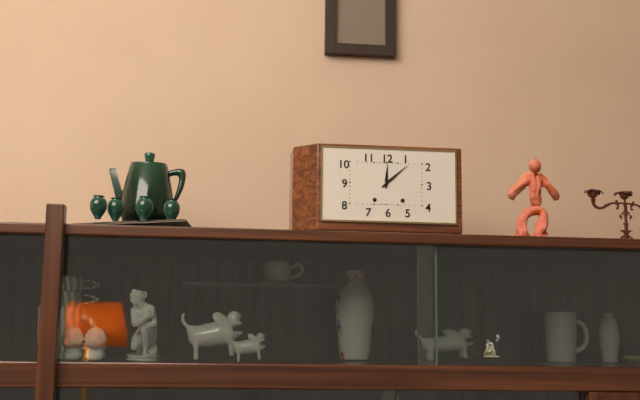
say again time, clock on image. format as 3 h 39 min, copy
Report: 12 h 08 min
